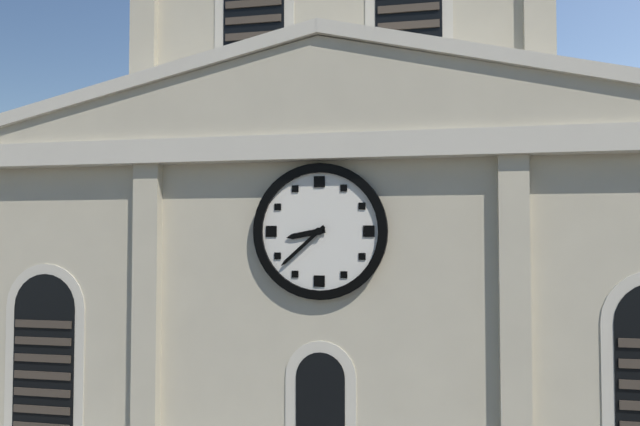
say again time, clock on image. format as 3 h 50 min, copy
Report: 8 h 38 min
